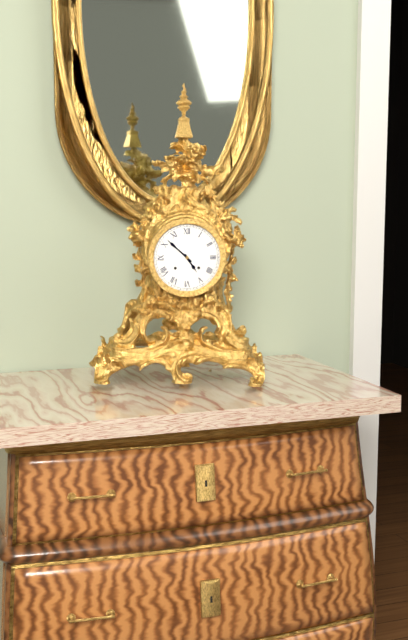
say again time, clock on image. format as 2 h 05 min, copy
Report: 4 h 52 min
